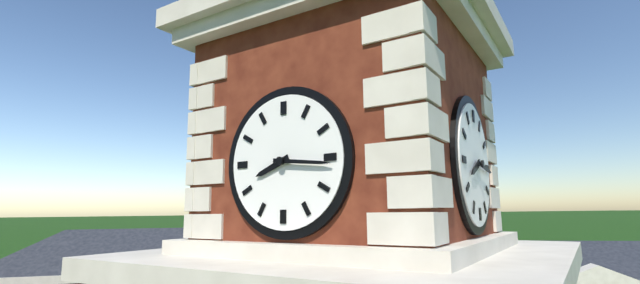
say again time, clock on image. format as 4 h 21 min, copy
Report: 8 h 16 min
